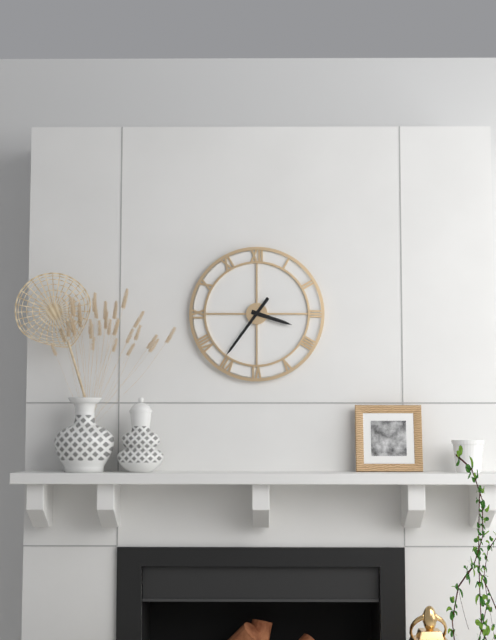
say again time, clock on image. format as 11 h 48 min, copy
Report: 3 h 36 min
